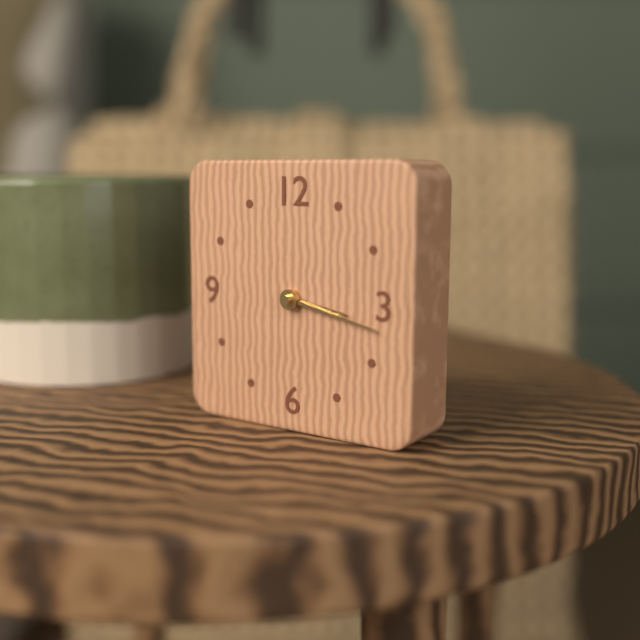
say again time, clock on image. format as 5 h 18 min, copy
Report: 3 h 17 min
